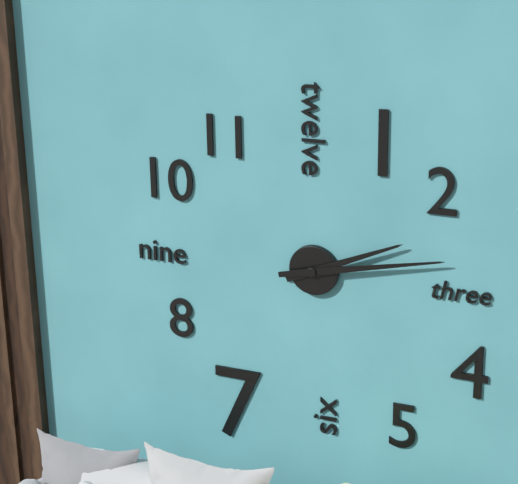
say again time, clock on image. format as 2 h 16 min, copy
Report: 2 h 13 min
